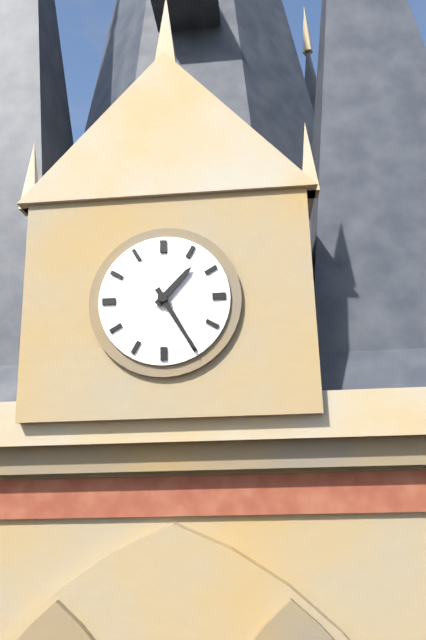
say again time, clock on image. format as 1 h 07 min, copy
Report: 1 h 25 min
